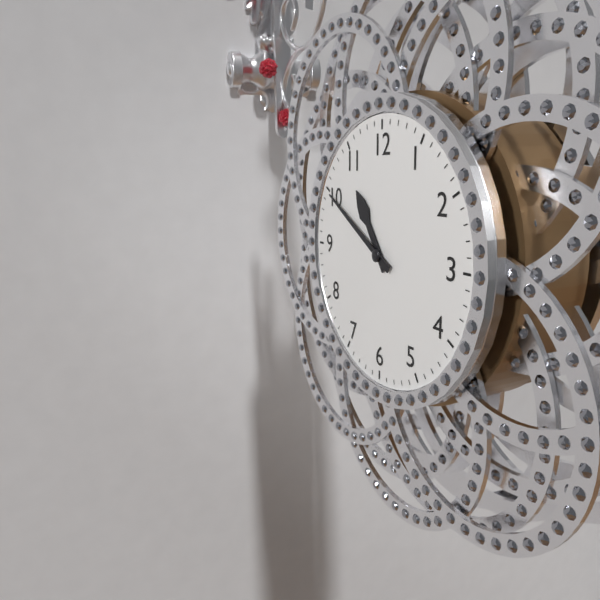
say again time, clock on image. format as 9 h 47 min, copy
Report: 10 h 50 min
